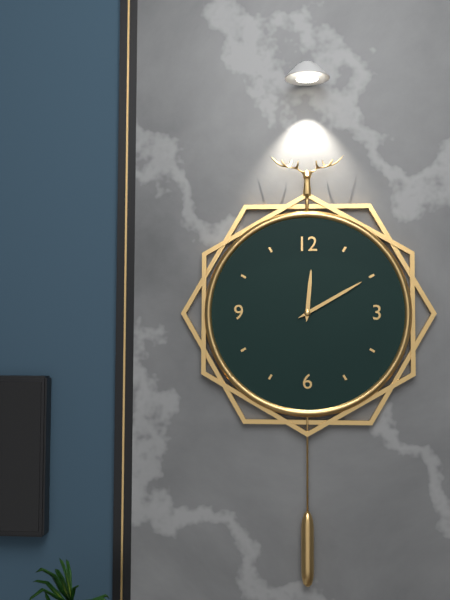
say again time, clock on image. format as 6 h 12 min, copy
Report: 12 h 10 min
